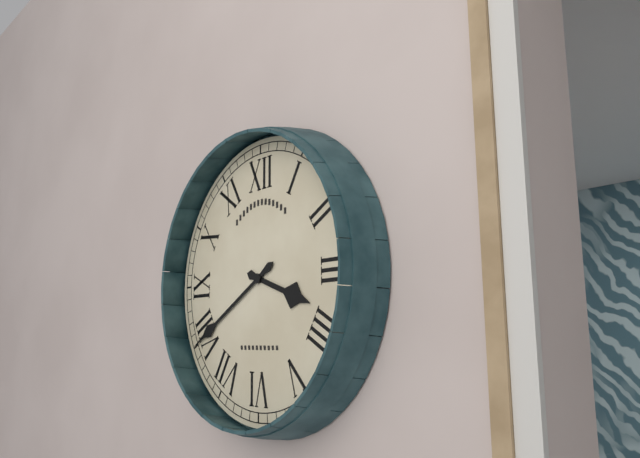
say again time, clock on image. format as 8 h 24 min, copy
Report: 3 h 40 min
